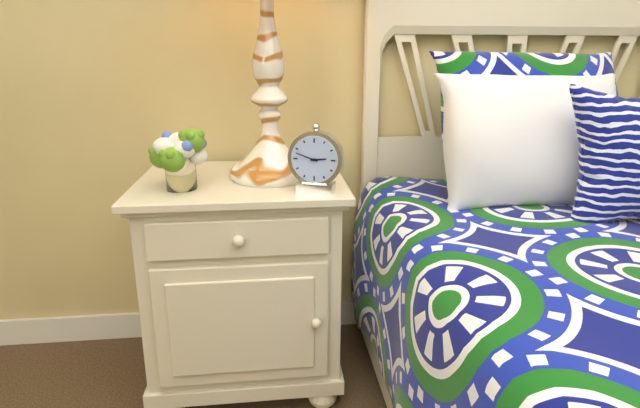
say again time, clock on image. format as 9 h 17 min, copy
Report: 2 h 48 min
